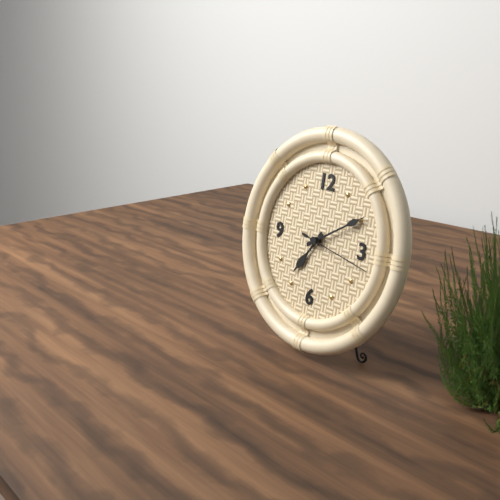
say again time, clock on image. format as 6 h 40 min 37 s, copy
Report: 7 h 10 min 17 s
